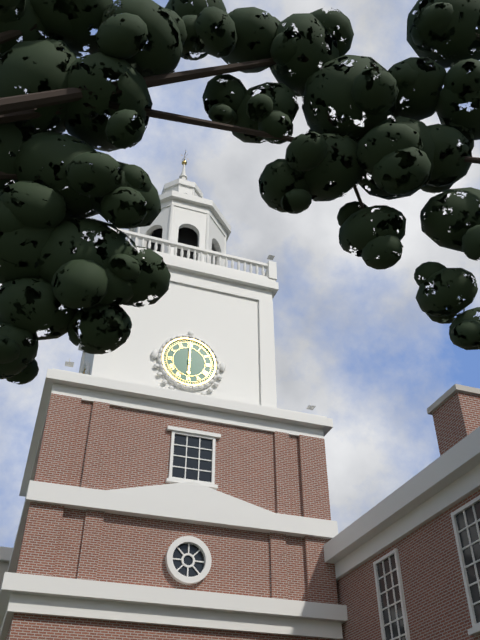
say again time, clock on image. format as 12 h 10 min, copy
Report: 6 h 00 min
